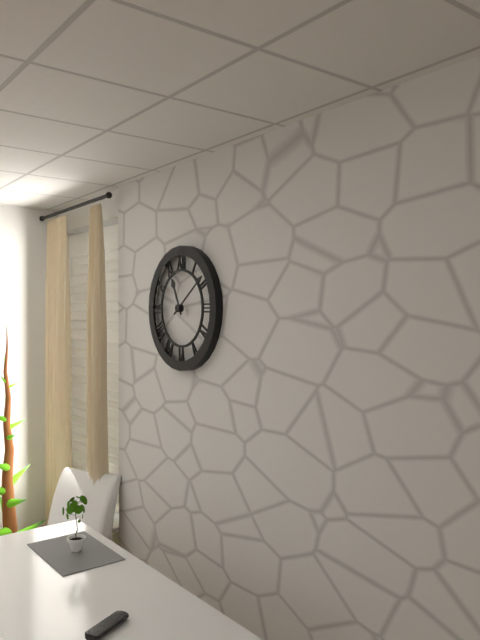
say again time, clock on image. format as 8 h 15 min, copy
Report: 11 h 09 min
